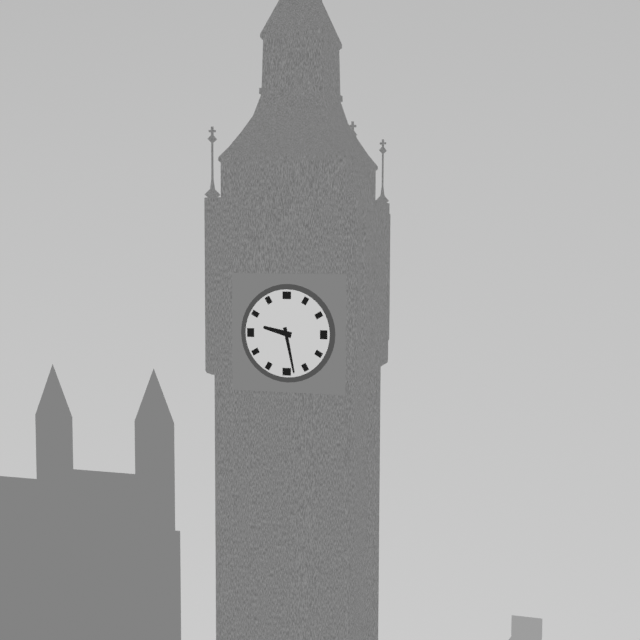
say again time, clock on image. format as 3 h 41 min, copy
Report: 9 h 28 min
